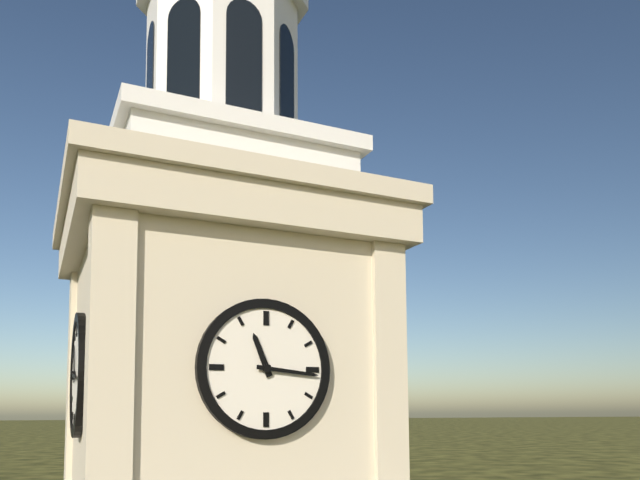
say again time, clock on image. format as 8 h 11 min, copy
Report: 11 h 16 min
